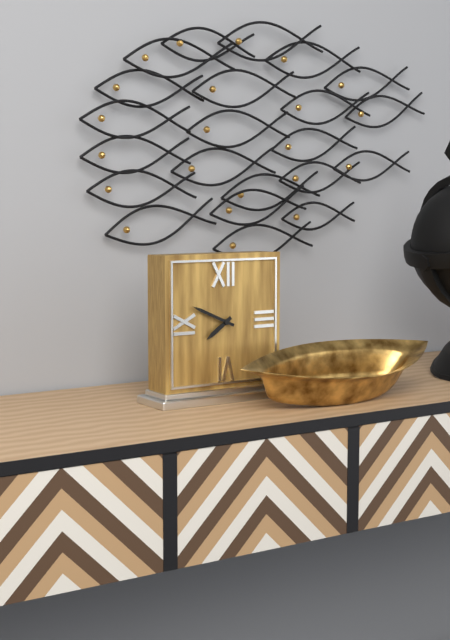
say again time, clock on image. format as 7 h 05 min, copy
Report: 7 h 49 min
